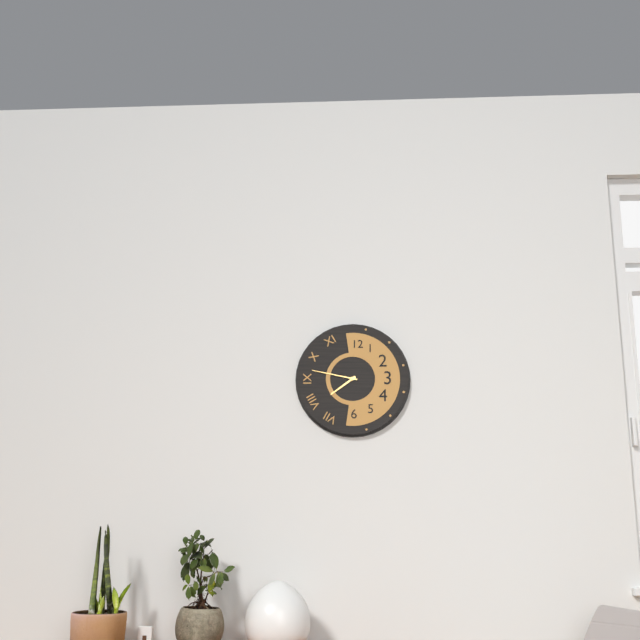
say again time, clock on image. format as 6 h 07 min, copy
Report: 7 h 47 min
